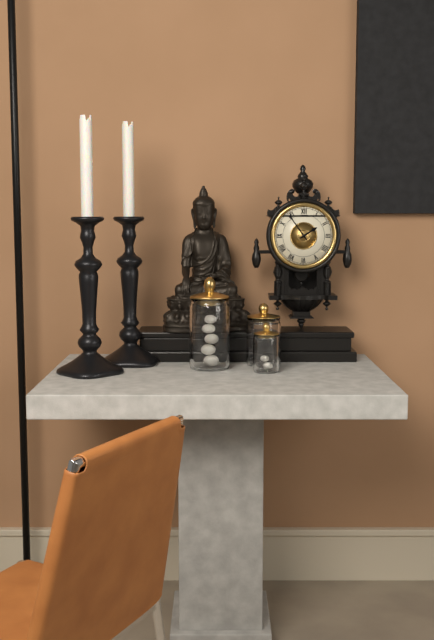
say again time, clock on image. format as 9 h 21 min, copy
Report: 1 h 54 min
